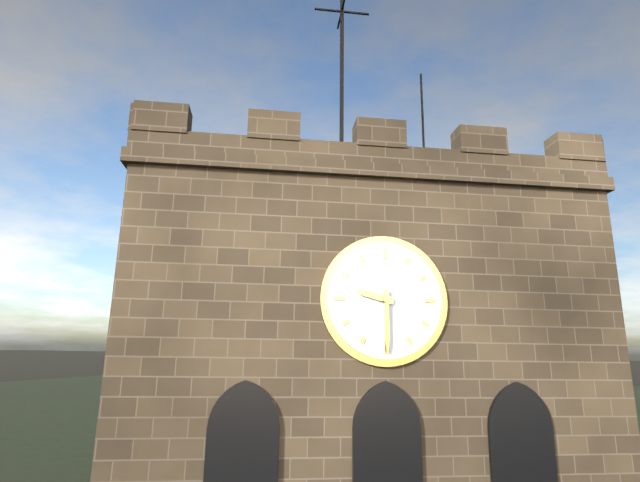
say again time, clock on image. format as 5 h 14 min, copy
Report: 9 h 30 min
